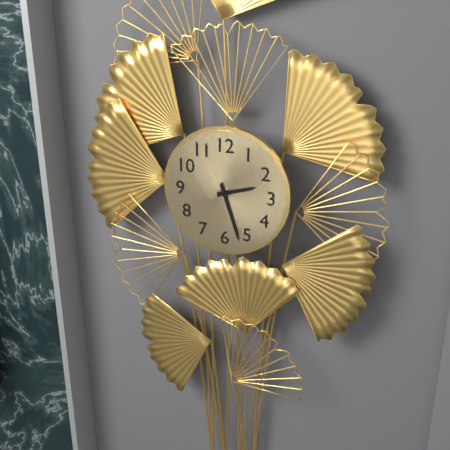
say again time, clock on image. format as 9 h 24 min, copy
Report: 2 h 27 min
